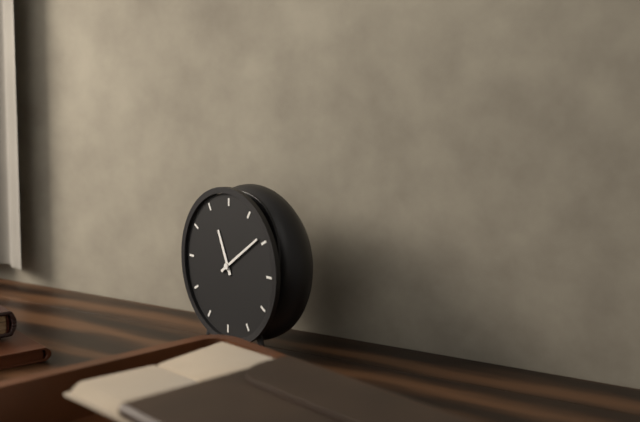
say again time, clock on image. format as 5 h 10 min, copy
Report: 11 h 09 min
